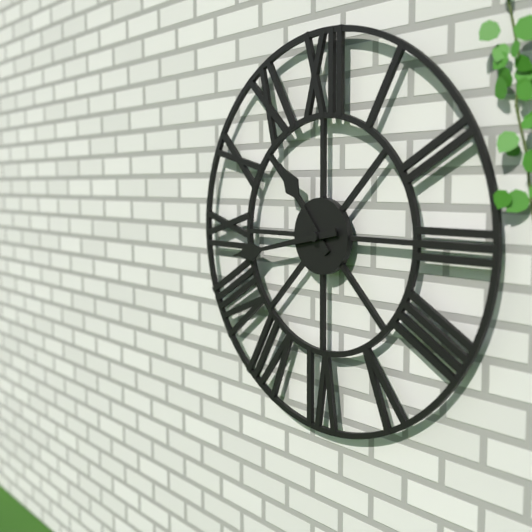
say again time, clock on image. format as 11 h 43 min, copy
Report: 10 h 43 min
